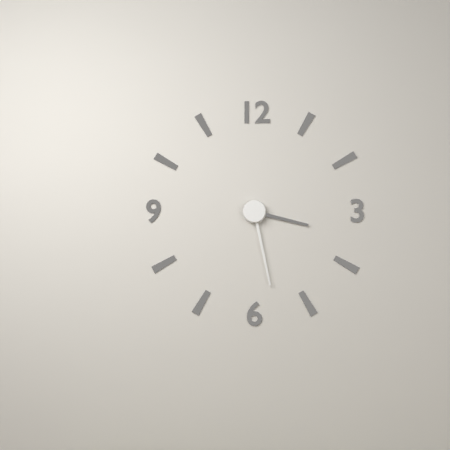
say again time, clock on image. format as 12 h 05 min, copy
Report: 3 h 28 min
